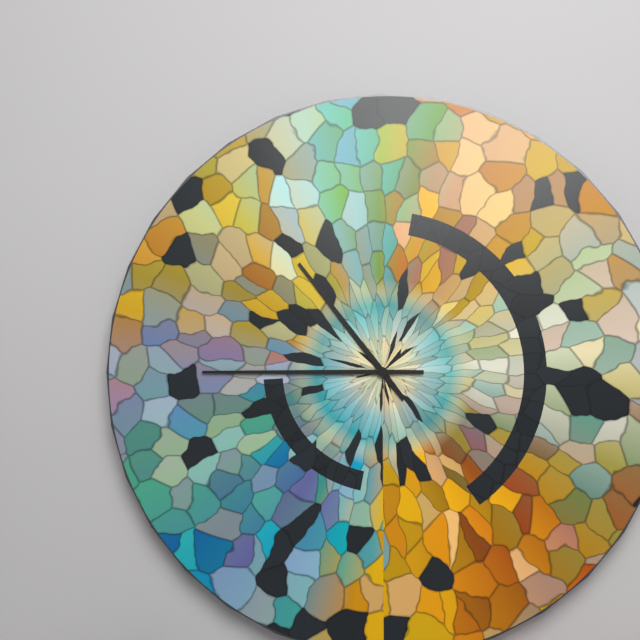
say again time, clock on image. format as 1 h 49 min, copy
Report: 10 h 45 min
